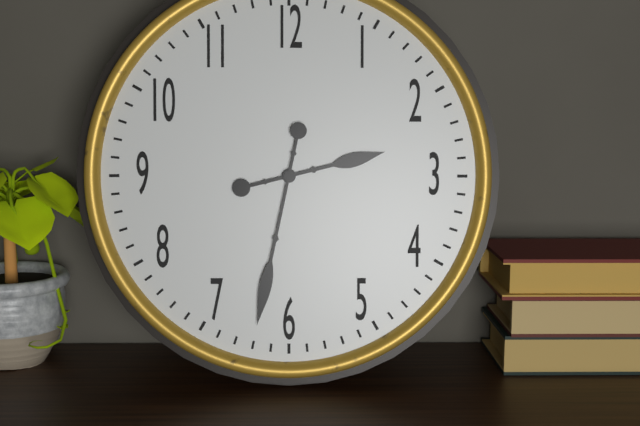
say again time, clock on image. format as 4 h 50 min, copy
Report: 2 h 32 min
